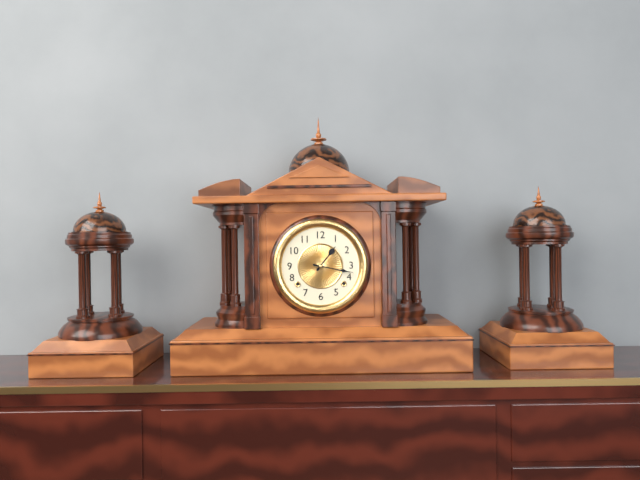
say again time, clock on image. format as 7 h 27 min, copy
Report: 1 h 17 min
